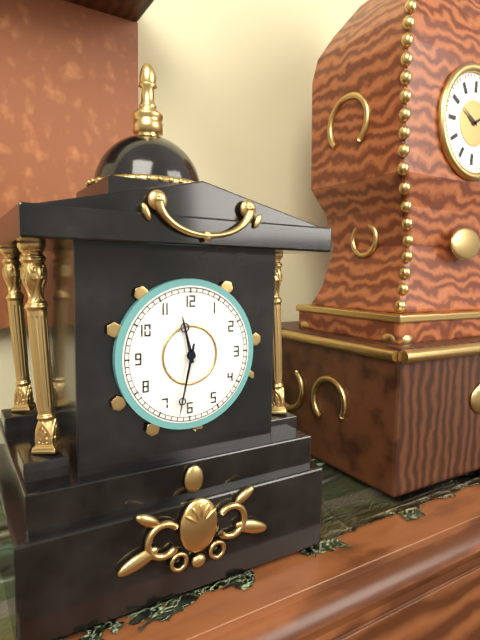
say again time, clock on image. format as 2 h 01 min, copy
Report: 11 h 32 min
